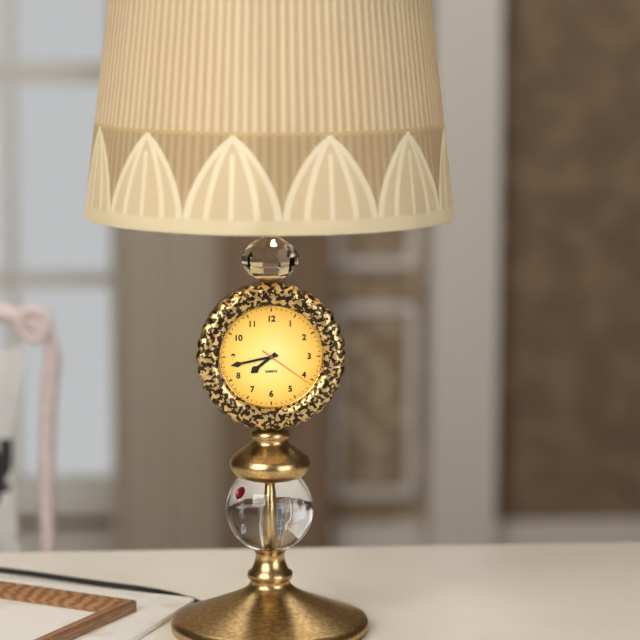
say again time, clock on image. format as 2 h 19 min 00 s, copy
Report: 7 h 43 min 21 s
